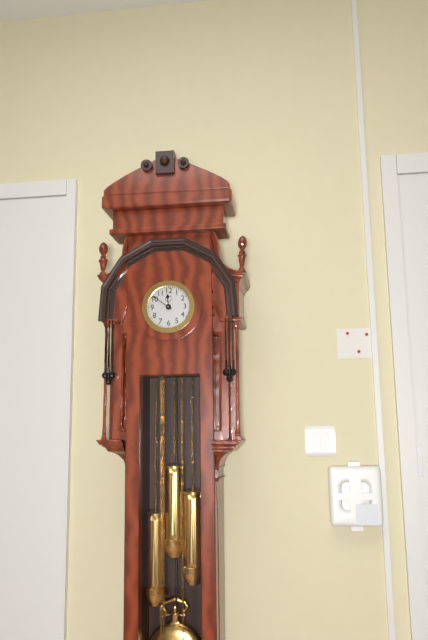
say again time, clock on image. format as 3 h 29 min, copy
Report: 11 h 51 min
